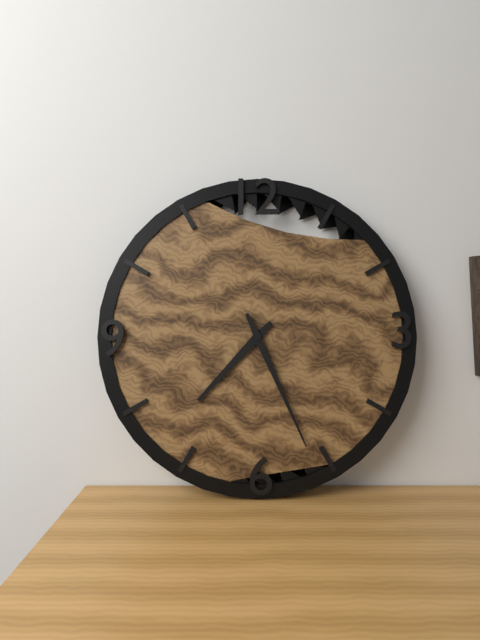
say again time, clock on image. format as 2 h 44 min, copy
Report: 7 h 26 min
